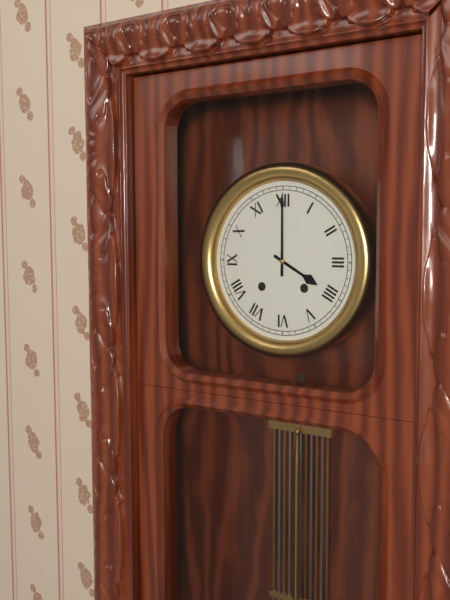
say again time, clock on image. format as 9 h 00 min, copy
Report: 4 h 00 min
